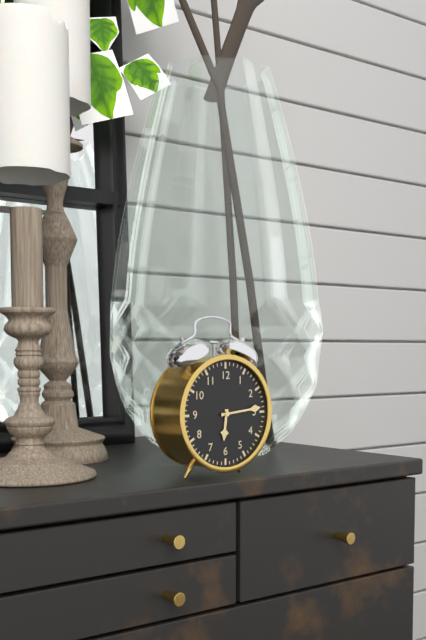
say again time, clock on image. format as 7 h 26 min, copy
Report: 6 h 14 min
